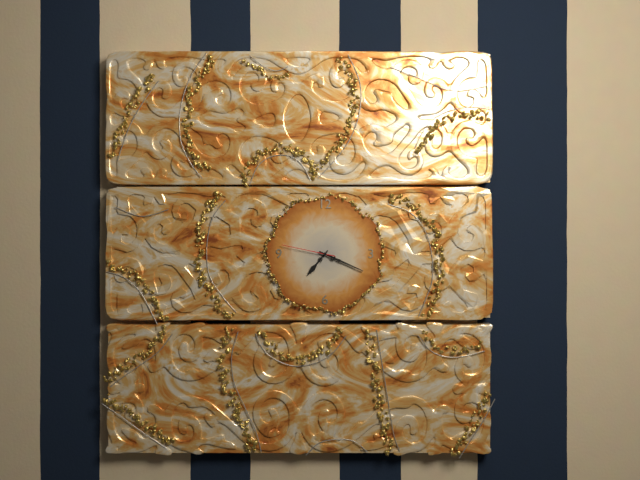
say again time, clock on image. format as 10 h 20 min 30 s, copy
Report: 7 h 19 min 47 s
